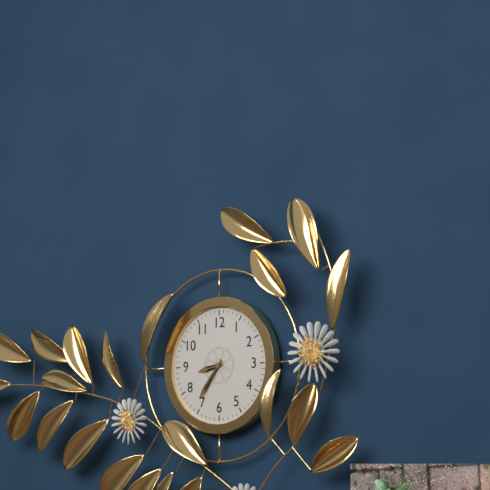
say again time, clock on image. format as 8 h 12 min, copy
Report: 8 h 36 min
